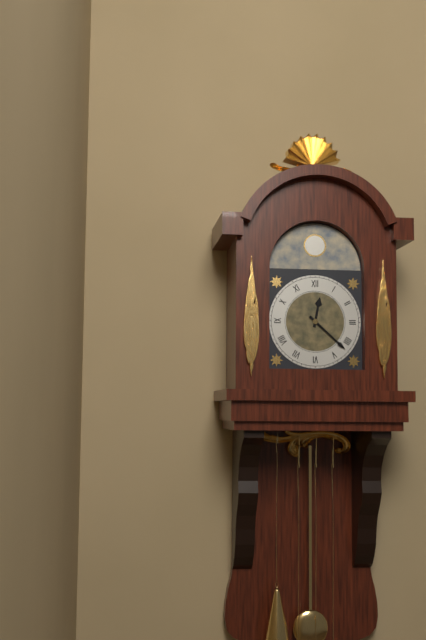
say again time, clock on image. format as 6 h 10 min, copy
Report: 12 h 22 min
